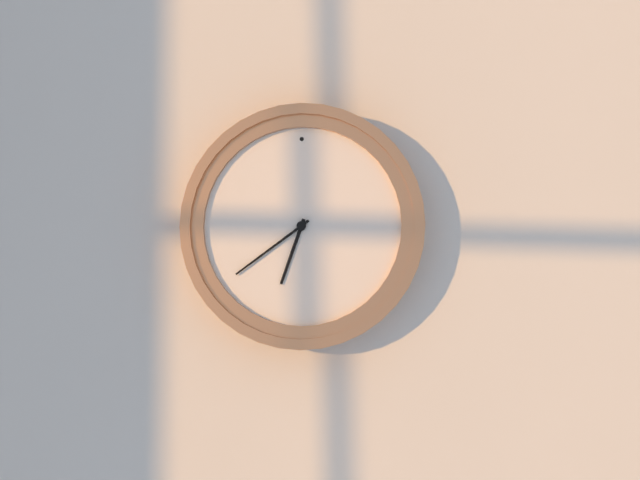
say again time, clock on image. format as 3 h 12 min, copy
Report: 6 h 39 min
